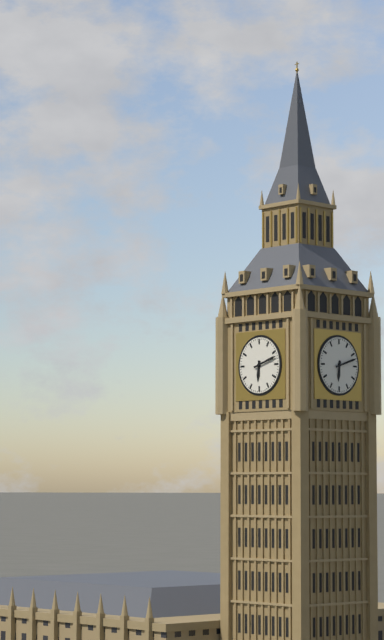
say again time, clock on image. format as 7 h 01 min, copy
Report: 6 h 12 min
